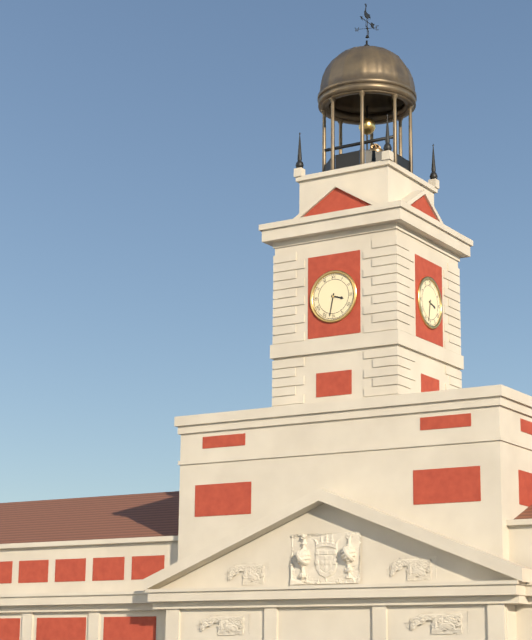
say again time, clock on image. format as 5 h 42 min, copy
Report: 3 h 32 min
